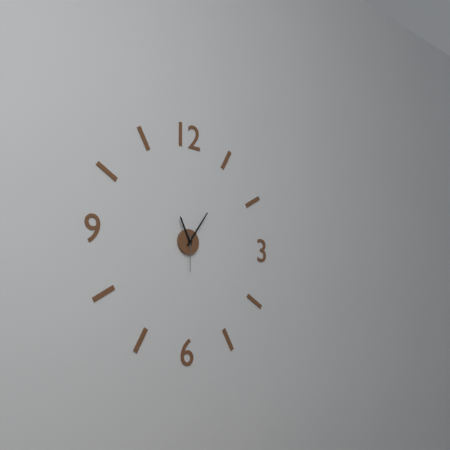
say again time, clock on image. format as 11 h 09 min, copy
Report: 11 h 06 min
